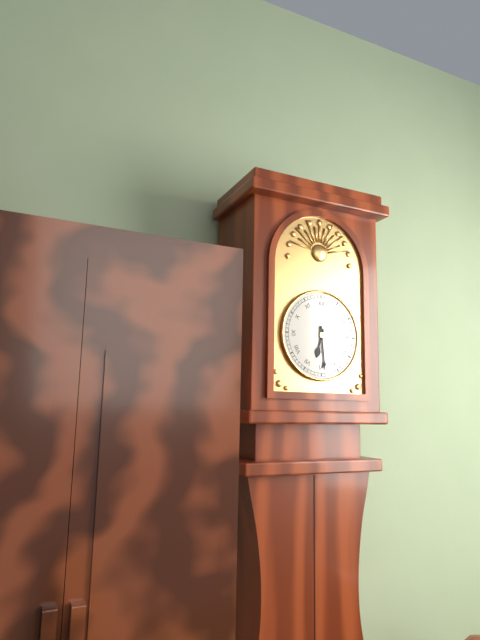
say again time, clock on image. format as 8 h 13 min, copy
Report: 6 h 29 min
